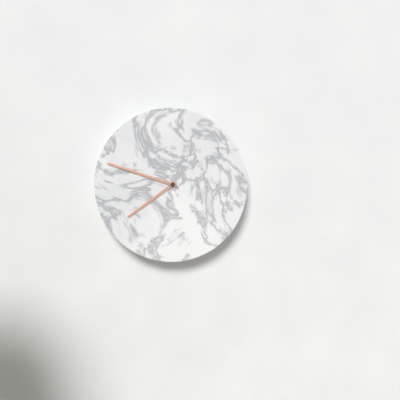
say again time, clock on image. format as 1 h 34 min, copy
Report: 7 h 48 min
